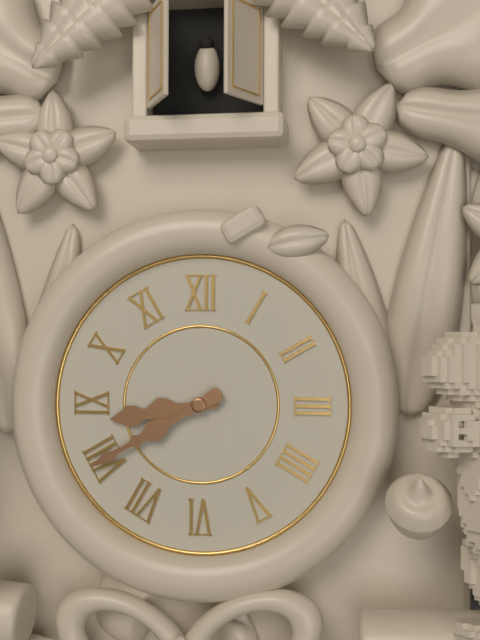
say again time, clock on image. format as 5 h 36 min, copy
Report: 8 h 40 min
